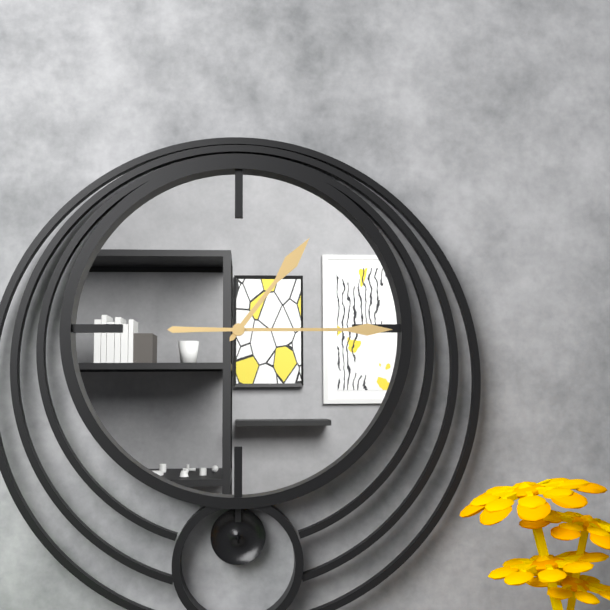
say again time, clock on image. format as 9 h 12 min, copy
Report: 1 h 15 min
